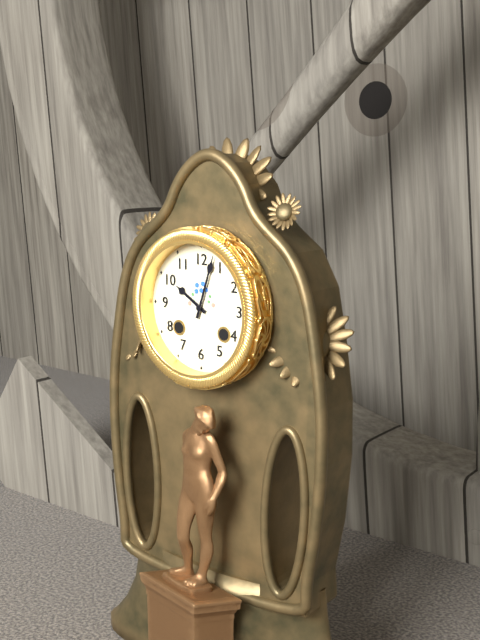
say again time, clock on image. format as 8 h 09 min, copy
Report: 10 h 03 min
